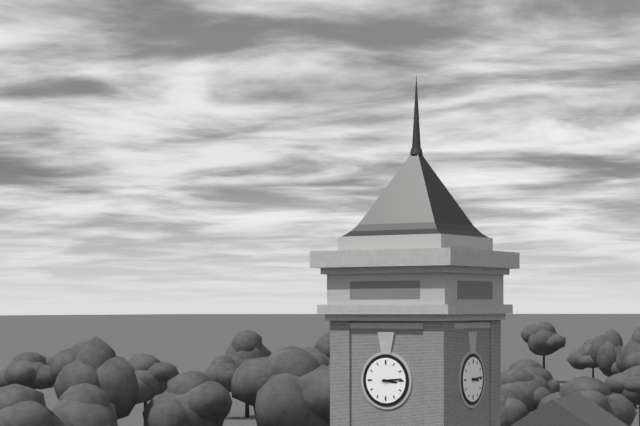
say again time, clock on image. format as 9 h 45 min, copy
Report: 3 h 14 min
